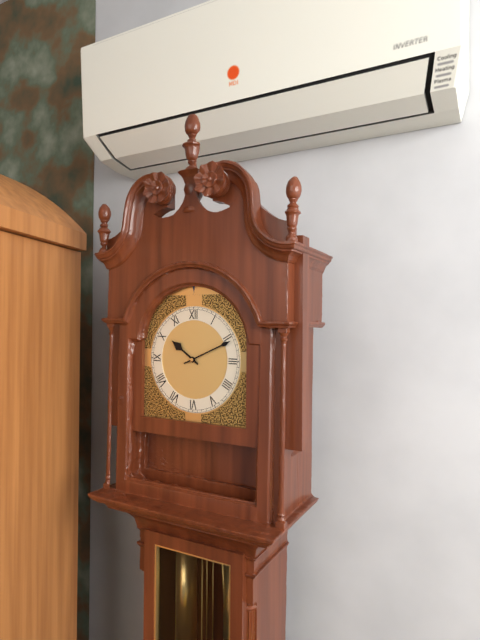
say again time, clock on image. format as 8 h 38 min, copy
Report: 10 h 11 min
